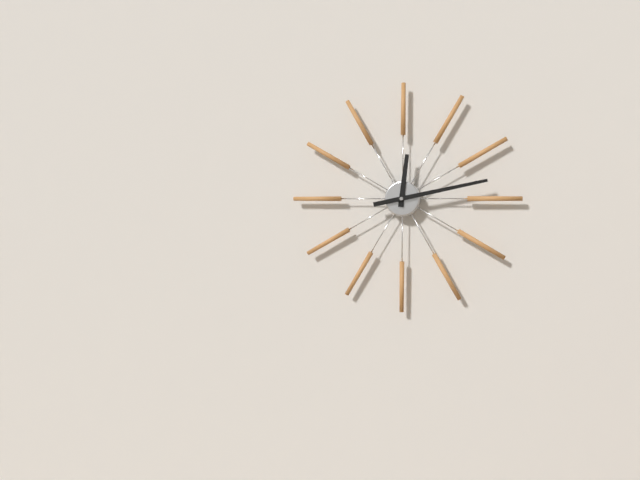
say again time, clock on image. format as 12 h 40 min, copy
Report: 12 h 13 min
